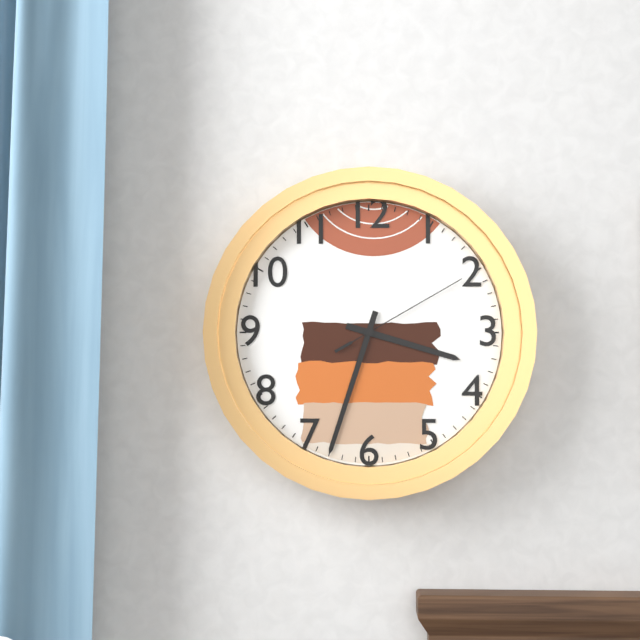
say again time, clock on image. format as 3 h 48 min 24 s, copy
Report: 3 h 33 min 10 s
